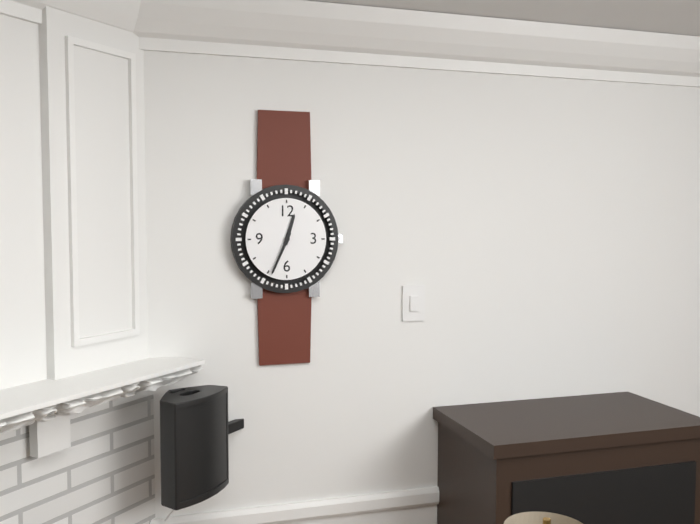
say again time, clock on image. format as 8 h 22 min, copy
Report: 12 h 34 min
